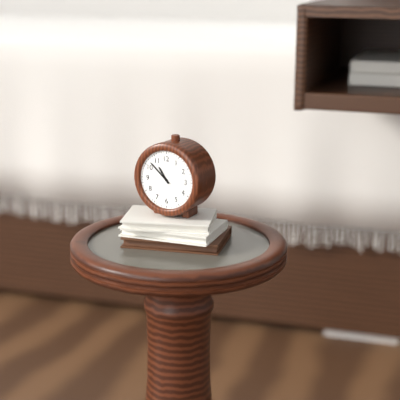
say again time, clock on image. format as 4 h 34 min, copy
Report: 10 h 52 min
